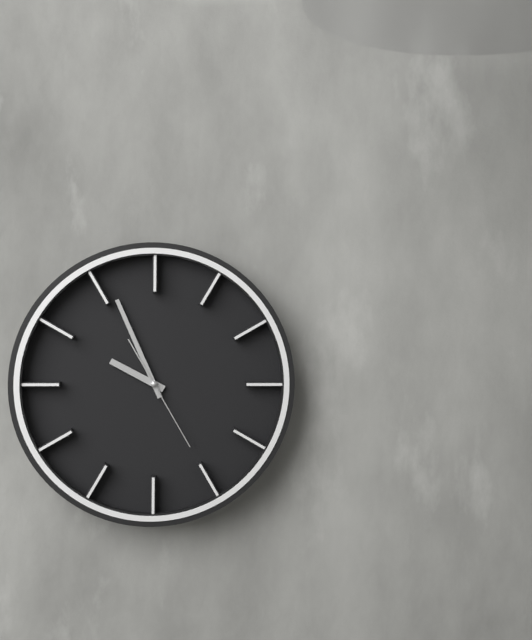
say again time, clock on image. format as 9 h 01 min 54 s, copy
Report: 9 h 56 min 25 s
